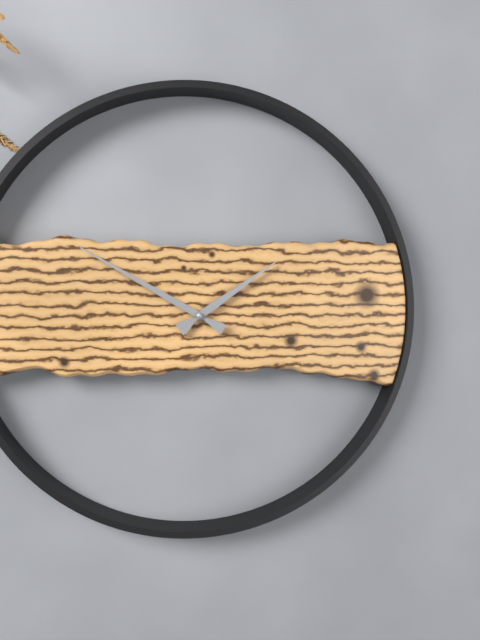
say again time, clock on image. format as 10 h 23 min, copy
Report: 1 h 50 min
